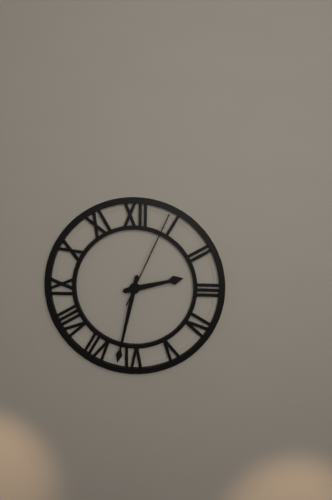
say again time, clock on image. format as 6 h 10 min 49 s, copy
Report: 2 h 32 min 04 s
